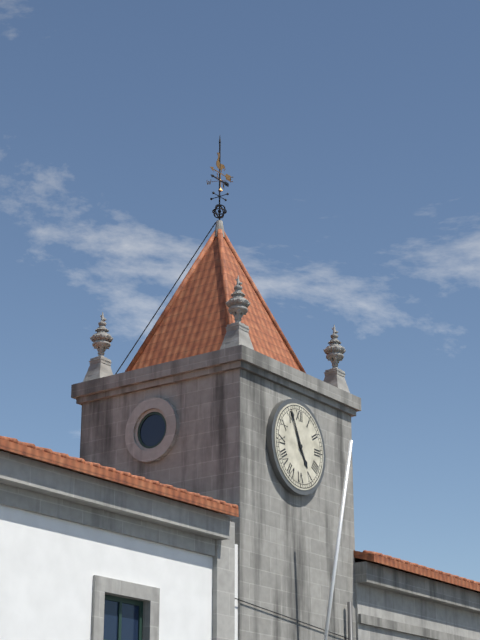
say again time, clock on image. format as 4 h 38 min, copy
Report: 4 h 56 min
